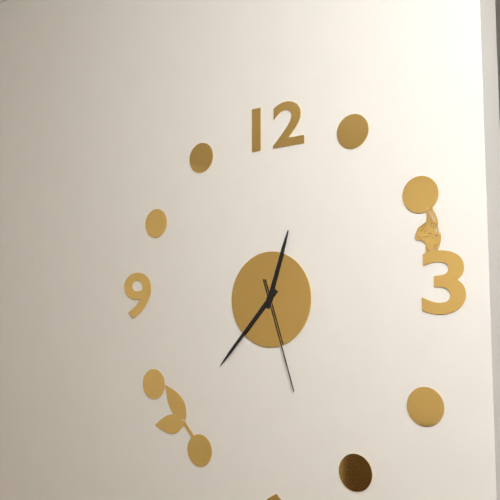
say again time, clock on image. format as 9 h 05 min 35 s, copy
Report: 12 h 37 min 27 s
